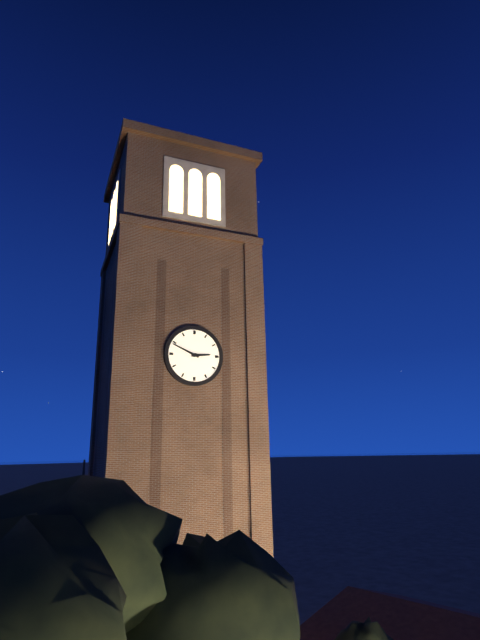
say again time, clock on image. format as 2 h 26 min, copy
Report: 2 h 49 min
